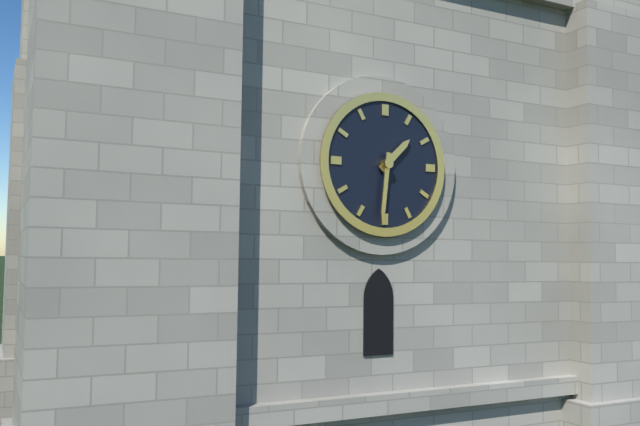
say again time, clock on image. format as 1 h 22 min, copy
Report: 1 h 31 min
